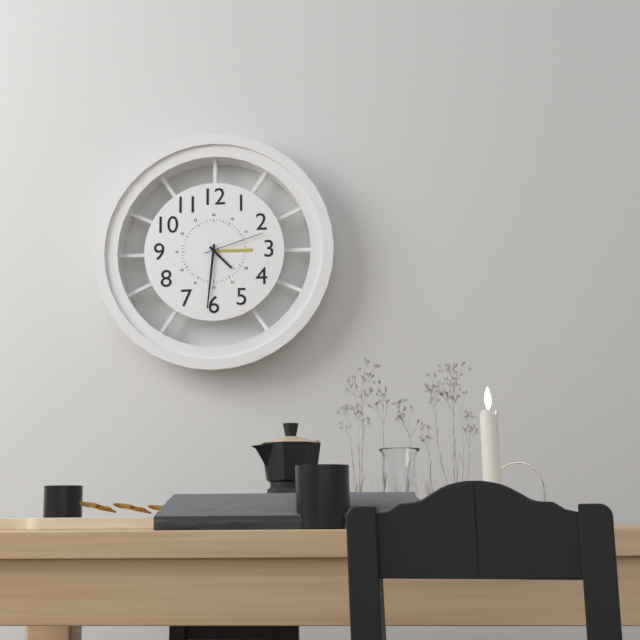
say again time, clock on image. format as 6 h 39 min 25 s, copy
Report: 4 h 31 min 12 s
